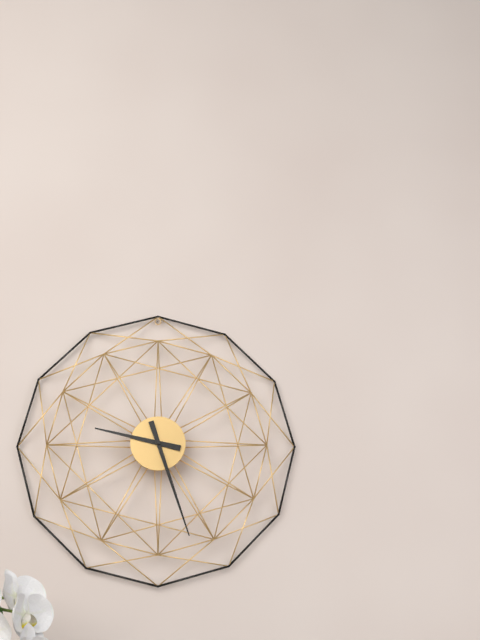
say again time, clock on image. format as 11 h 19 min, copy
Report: 9 h 27 min
